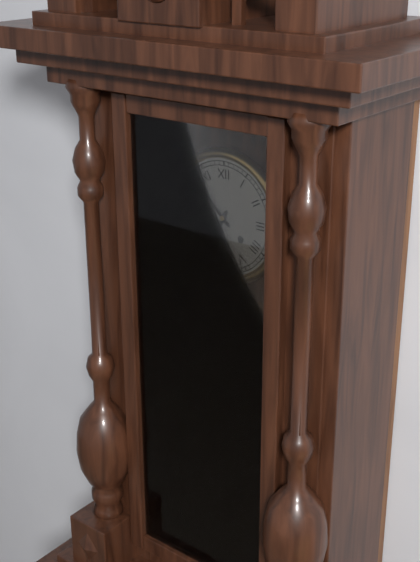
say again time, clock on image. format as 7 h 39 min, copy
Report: 6 h 52 min
